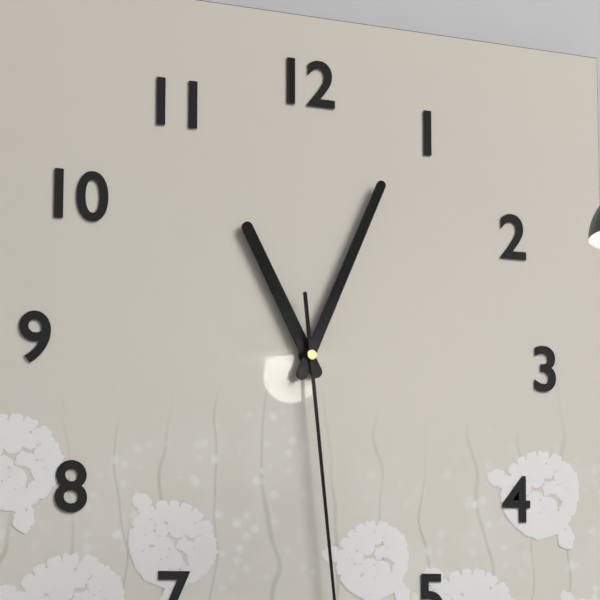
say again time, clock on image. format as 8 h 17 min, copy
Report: 11 h 04 min
